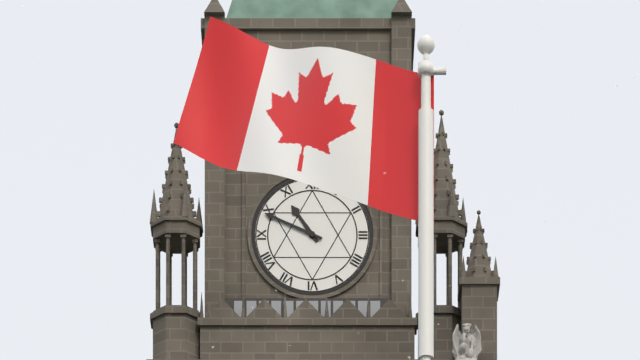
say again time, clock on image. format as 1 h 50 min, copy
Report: 10 h 49 min
